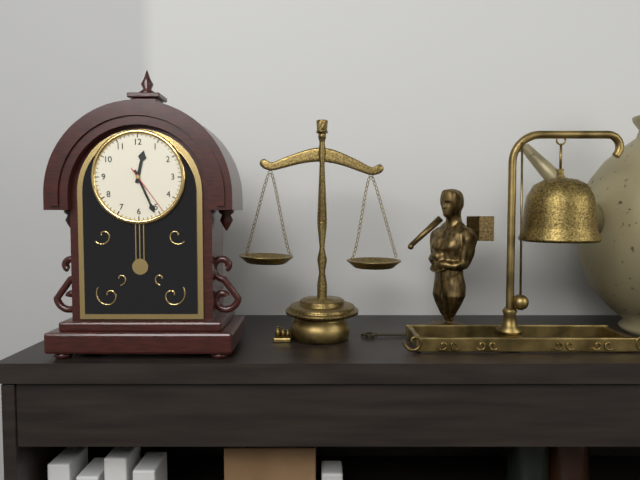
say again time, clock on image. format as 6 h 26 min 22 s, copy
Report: 12 h 26 min 24 s
